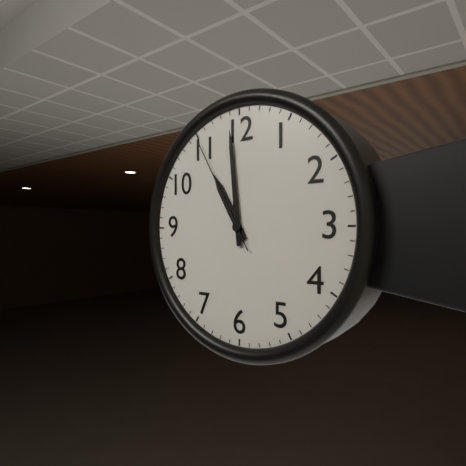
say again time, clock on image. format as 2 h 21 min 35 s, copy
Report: 10 h 59 min 55 s
